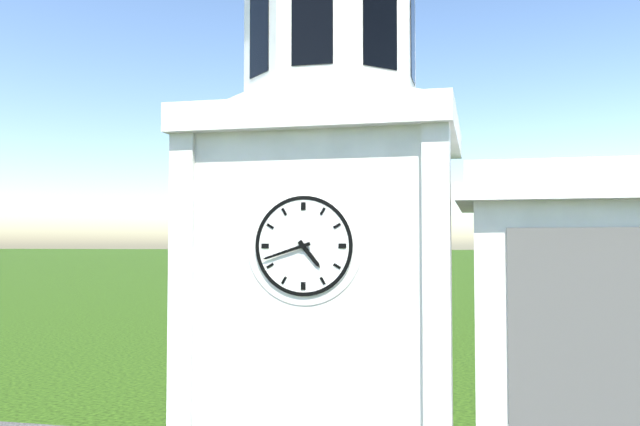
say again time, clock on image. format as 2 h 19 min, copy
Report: 4 h 42 min
